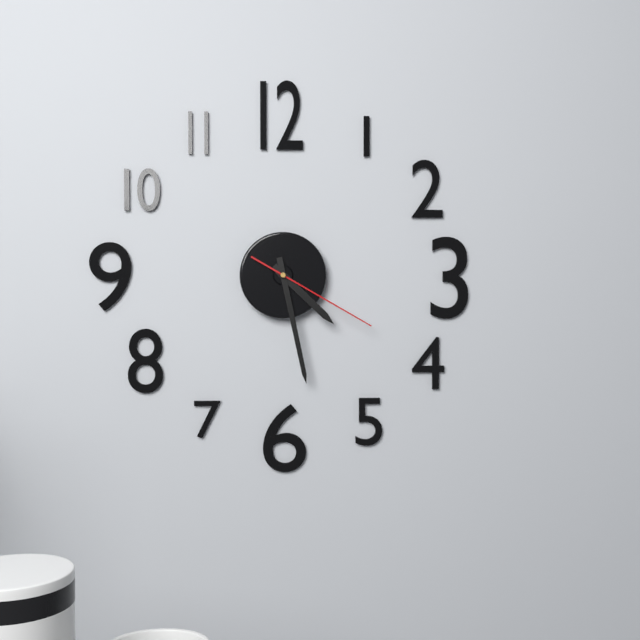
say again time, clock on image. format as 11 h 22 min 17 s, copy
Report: 4 h 28 min 20 s
